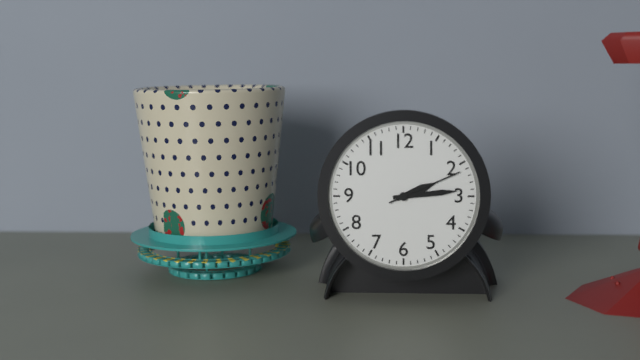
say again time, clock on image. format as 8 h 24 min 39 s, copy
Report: 2 h 14 min 11 s
